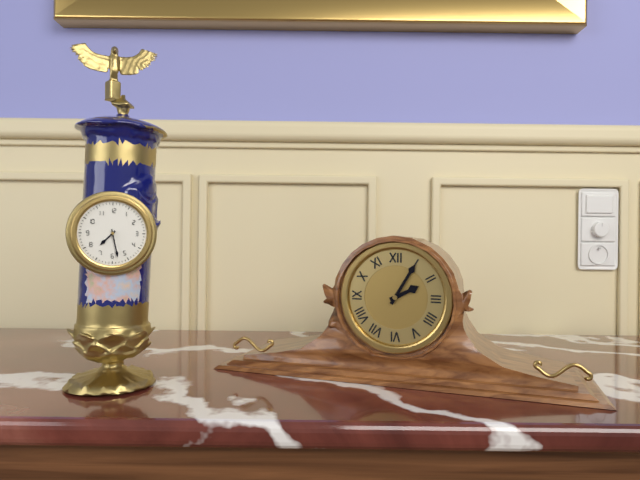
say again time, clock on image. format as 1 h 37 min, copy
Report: 7 h 28 min
